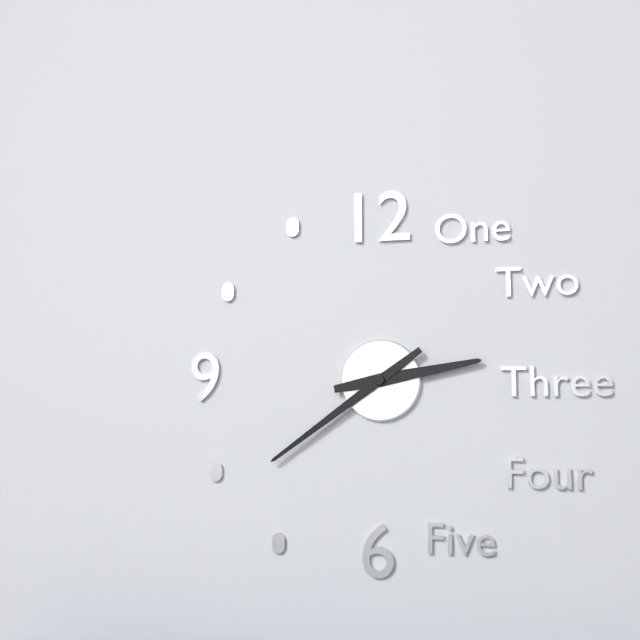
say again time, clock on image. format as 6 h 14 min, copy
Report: 2 h 39 min
